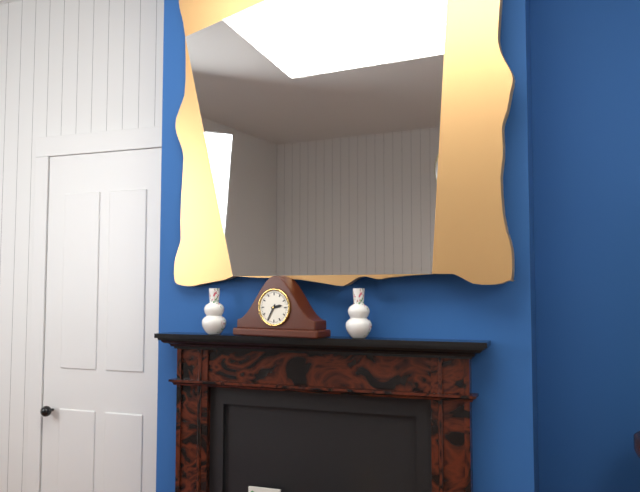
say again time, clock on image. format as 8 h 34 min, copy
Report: 2 h 35 min
